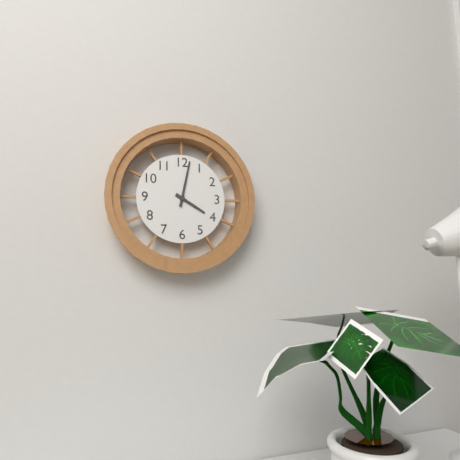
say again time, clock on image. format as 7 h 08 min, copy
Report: 4 h 02 min
